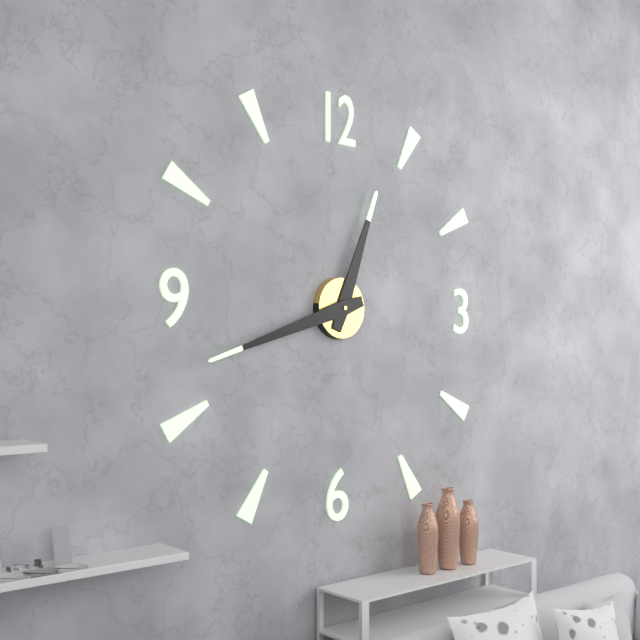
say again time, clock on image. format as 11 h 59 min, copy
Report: 12 h 42 min
